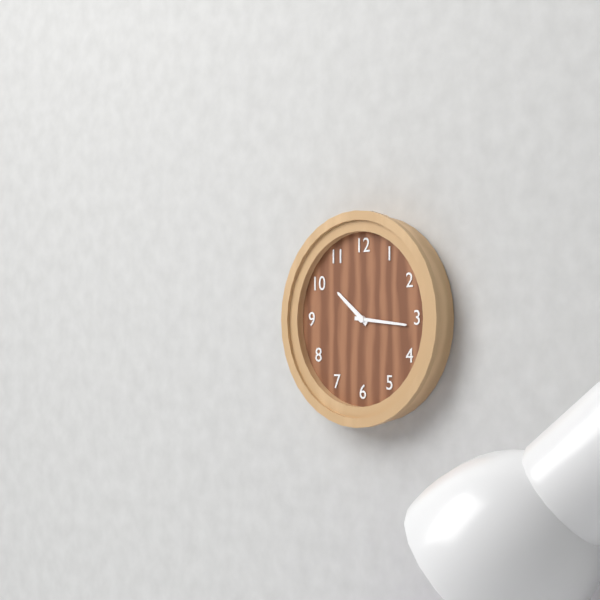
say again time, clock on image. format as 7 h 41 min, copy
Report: 10 h 16 min
